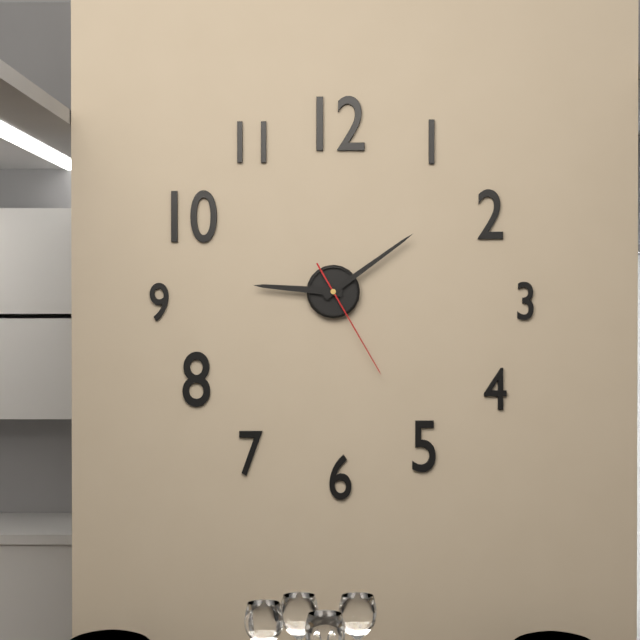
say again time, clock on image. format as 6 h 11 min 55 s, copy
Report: 9 h 09 min 25 s
